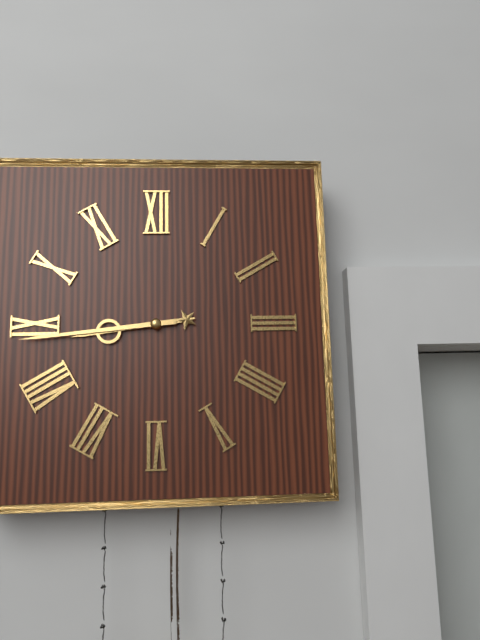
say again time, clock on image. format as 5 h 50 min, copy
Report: 8 h 44 min
